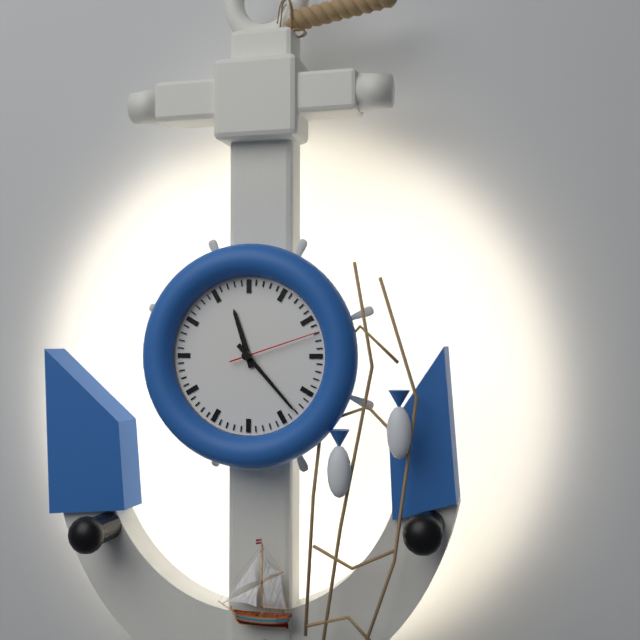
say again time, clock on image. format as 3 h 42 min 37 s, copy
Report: 11 h 23 min 12 s
